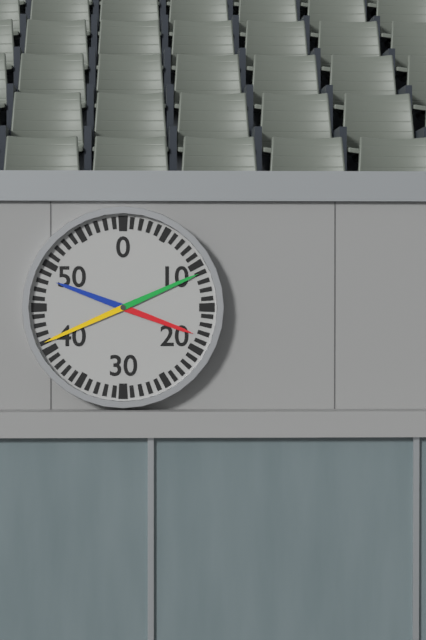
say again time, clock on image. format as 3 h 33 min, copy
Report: 3 h 41 min
